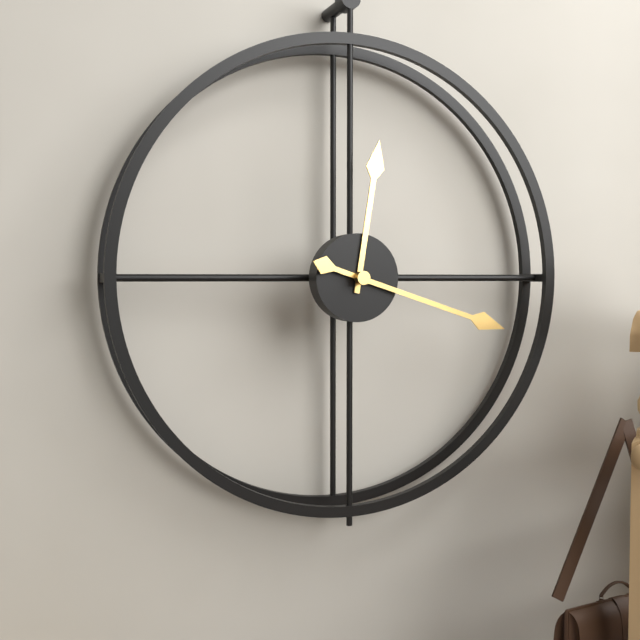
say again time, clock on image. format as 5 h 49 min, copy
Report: 12 h 18 min
